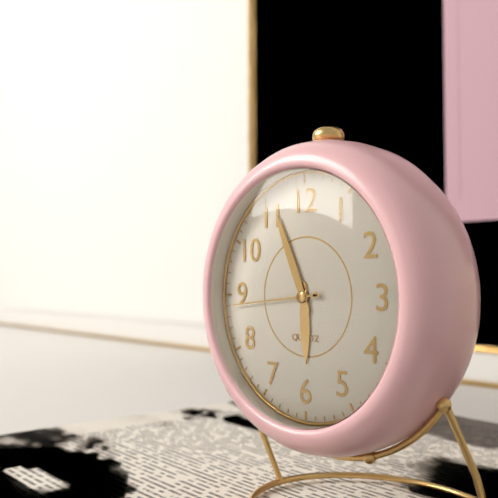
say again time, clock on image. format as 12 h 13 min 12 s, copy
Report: 5 h 56 min 44 s
